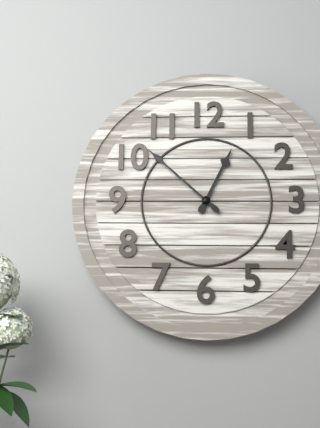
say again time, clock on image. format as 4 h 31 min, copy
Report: 12 h 52 min
